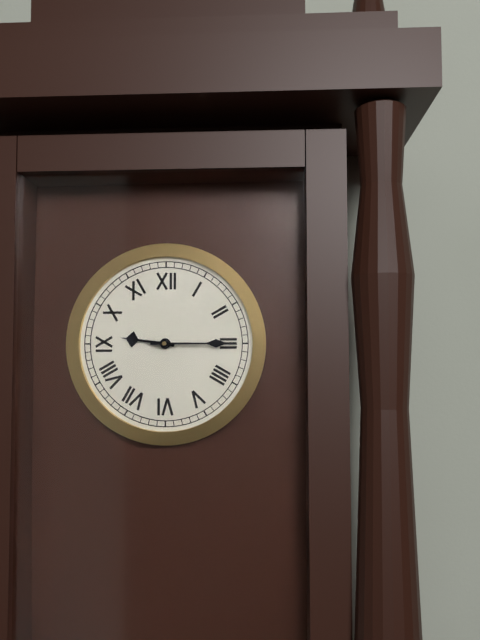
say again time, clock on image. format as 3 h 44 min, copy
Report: 9 h 15 min
